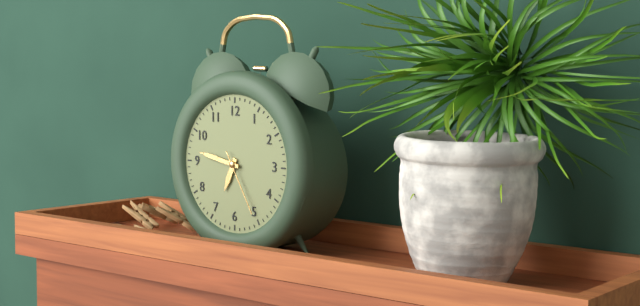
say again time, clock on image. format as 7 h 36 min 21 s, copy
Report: 6 h 47 min 25 s
